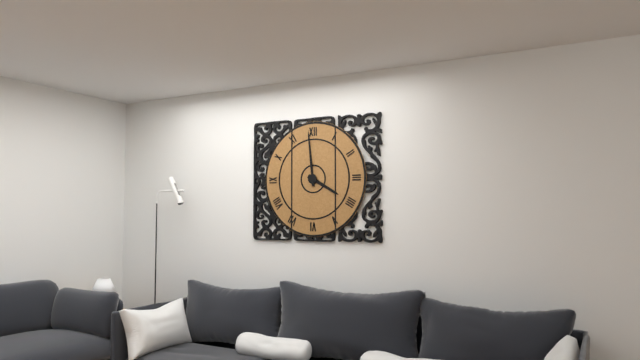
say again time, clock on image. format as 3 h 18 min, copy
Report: 3 h 59 min
